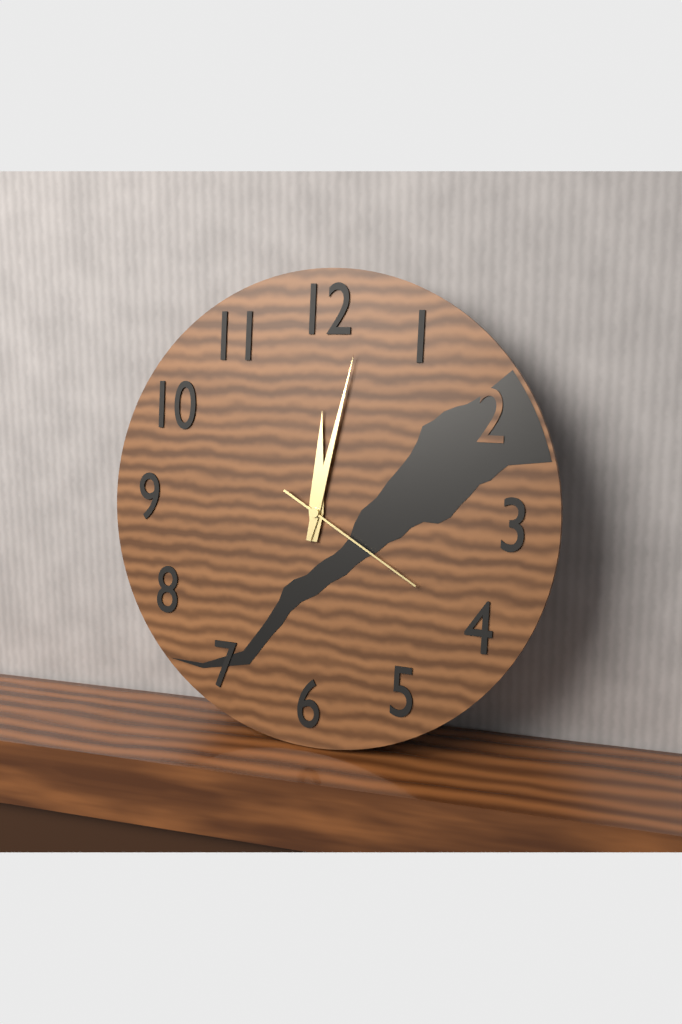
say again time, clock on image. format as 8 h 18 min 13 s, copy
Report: 12 h 02 min 20 s
